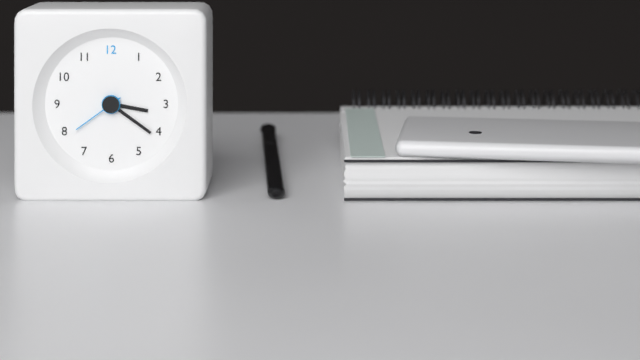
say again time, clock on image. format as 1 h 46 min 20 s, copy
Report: 3 h 21 min 39 s
